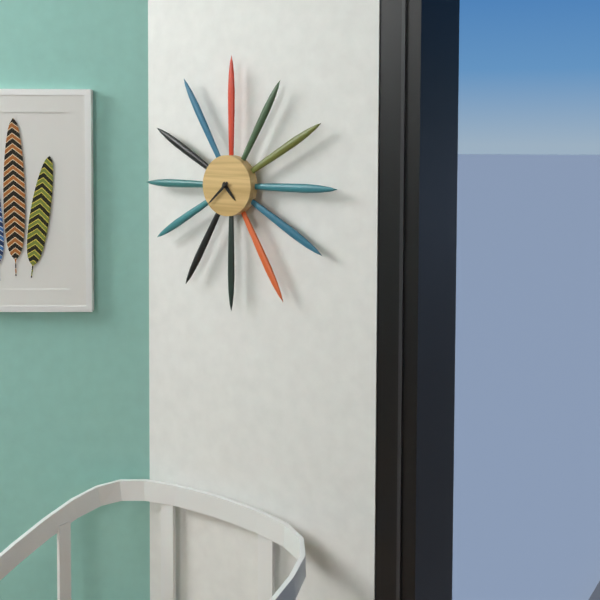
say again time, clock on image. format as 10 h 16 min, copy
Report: 4 h 38 min
